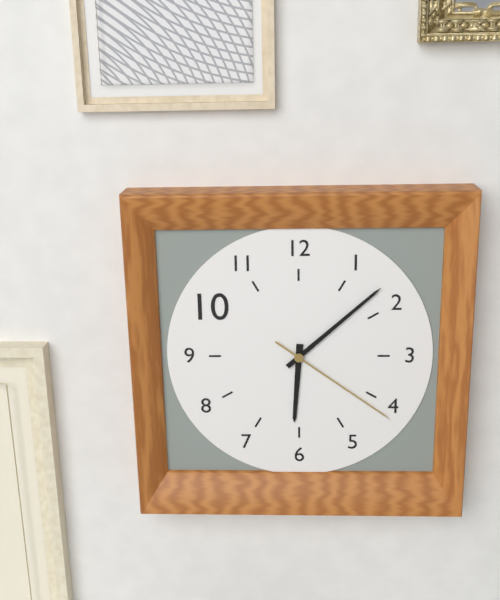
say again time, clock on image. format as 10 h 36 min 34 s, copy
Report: 6 h 08 min 21 s
